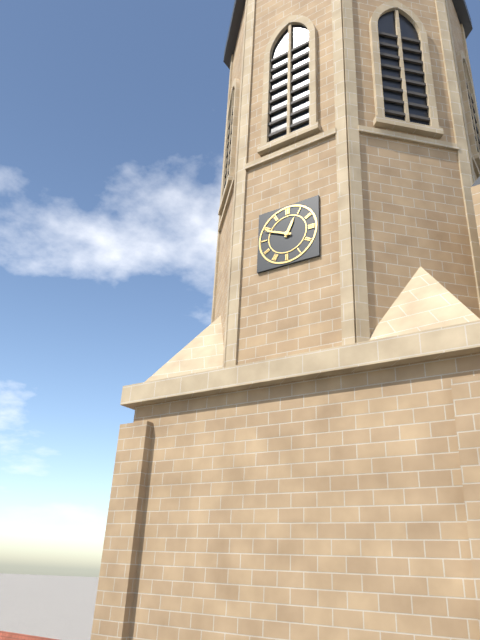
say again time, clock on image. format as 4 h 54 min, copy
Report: 12 h 49 min
